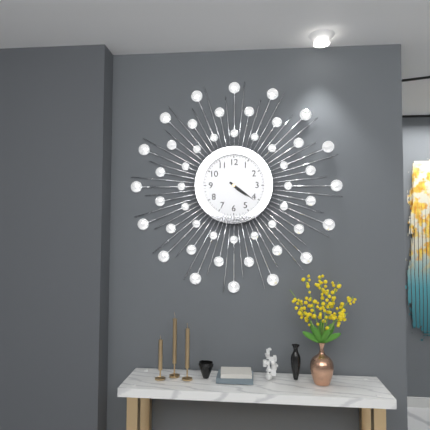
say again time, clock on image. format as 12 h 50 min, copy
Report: 4 h 21 min
